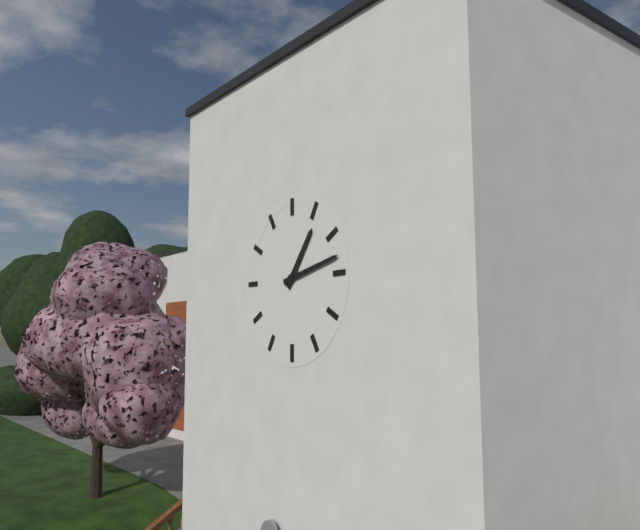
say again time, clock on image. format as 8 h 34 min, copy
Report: 1 h 13 min
